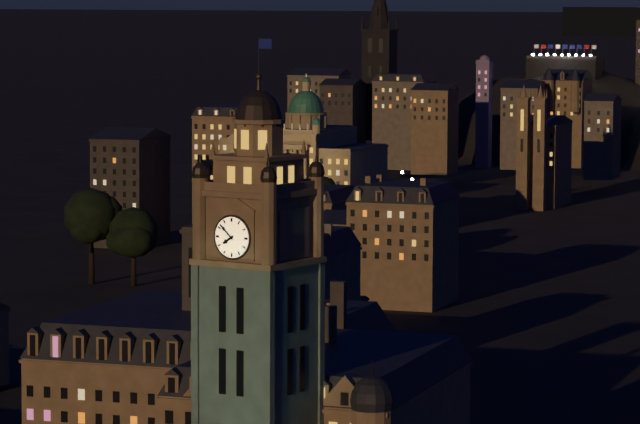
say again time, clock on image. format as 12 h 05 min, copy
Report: 7 h 52 min
